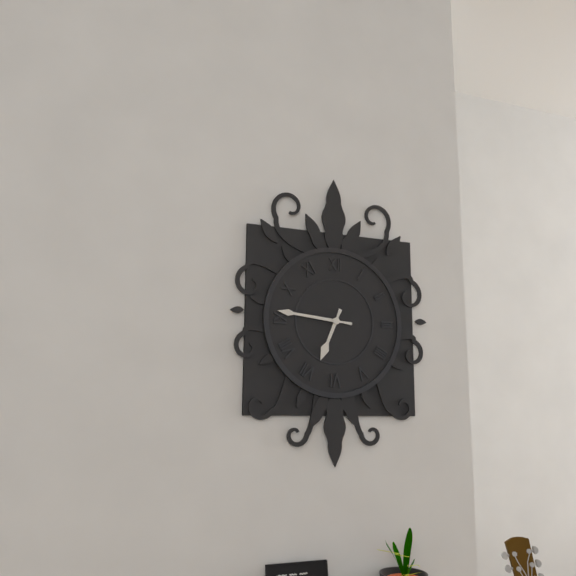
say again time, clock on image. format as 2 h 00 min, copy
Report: 6 h 46 min
